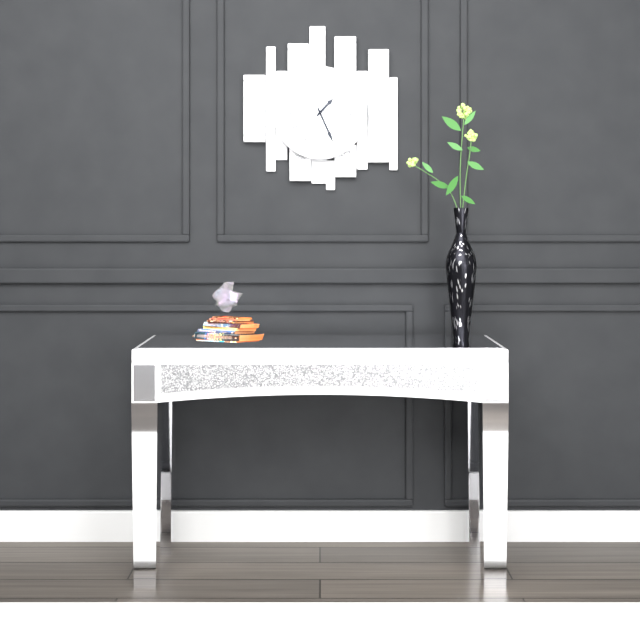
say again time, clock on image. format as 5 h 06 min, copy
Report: 1 h 26 min
